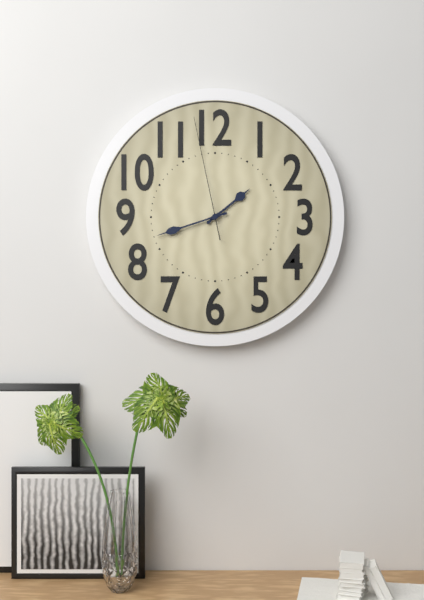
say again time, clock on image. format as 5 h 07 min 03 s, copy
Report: 1 h 42 min 58 s
